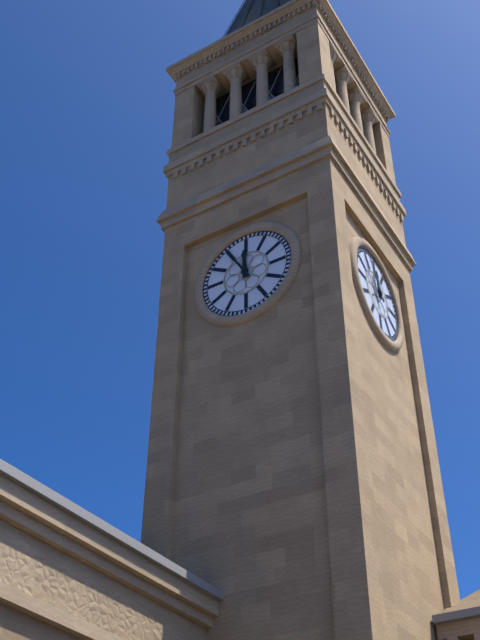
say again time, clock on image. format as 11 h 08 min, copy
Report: 11 h 55 min
